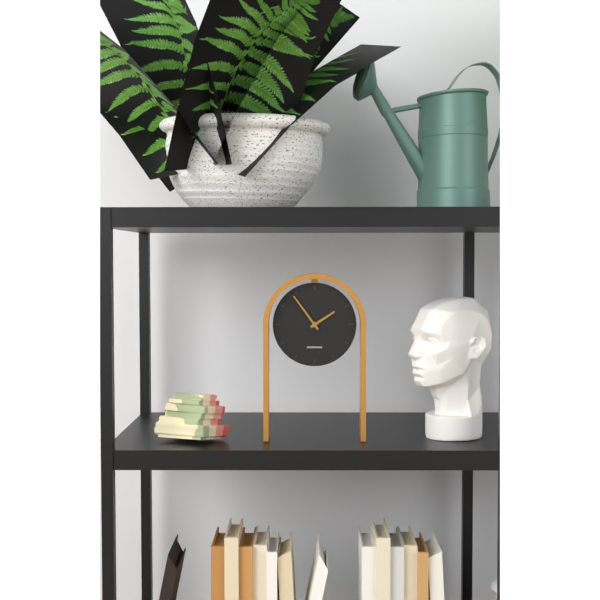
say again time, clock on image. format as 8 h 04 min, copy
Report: 1 h 54 min
